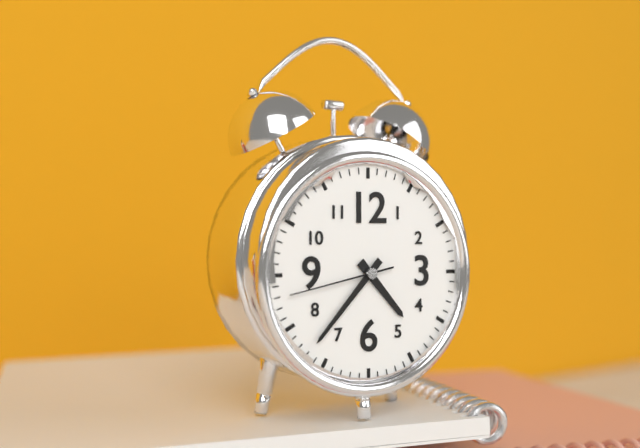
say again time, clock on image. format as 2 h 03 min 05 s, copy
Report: 4 h 37 min 43 s
